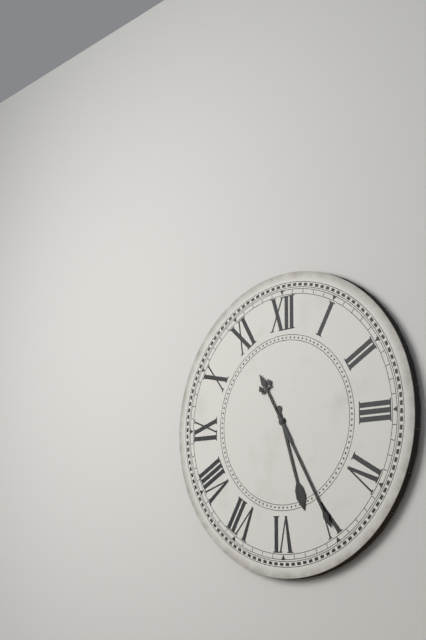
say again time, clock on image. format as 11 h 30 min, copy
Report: 5 h 25 min
